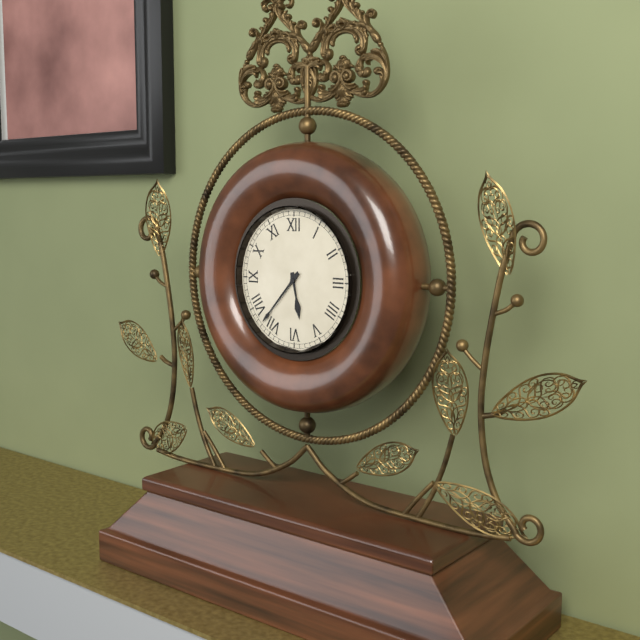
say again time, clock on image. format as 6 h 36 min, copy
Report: 5 h 37 min
